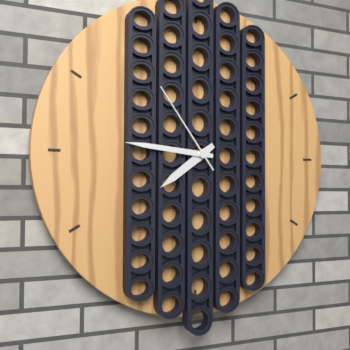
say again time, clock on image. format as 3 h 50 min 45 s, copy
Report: 7 h 46 min 54 s
